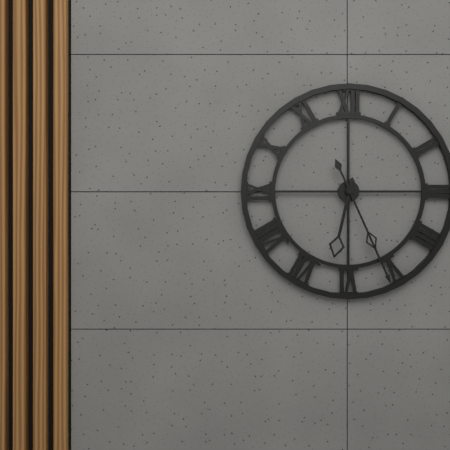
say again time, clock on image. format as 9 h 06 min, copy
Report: 6 h 26 min
